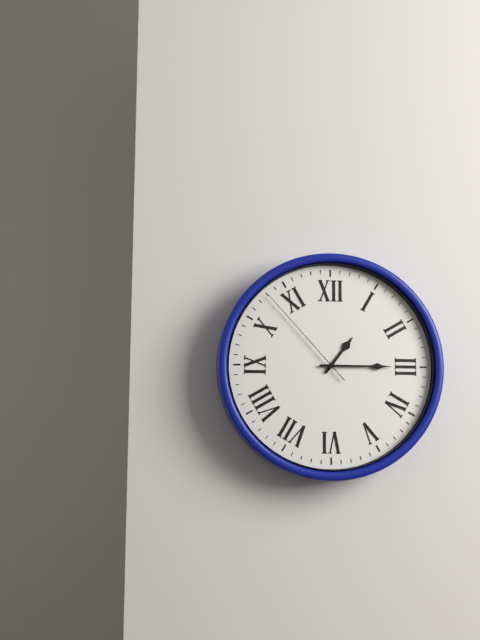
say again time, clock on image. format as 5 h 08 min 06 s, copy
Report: 1 h 15 min 53 s
